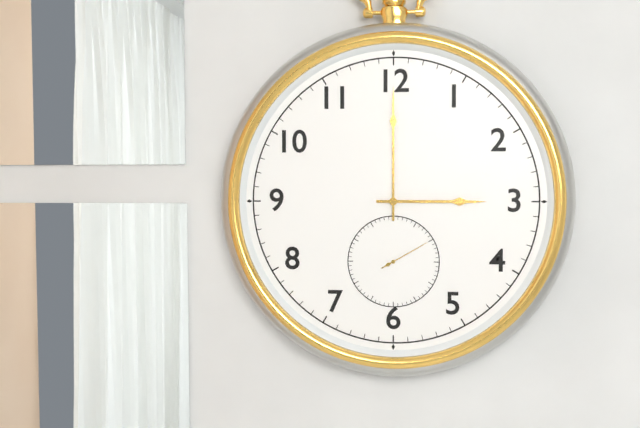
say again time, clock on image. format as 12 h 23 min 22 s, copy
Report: 3 h 00 min 10 s
